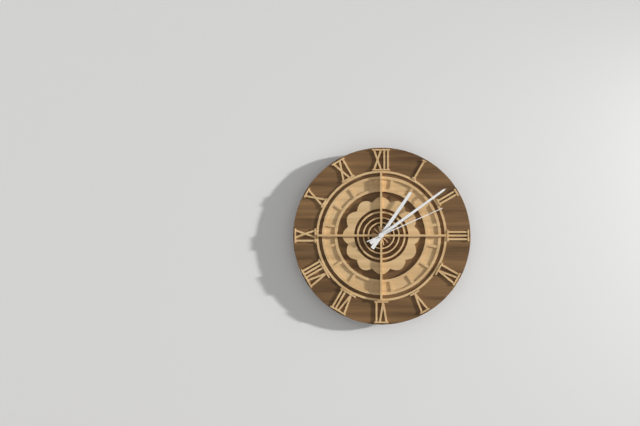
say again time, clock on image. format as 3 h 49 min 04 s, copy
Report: 1 h 09 min 11 s
